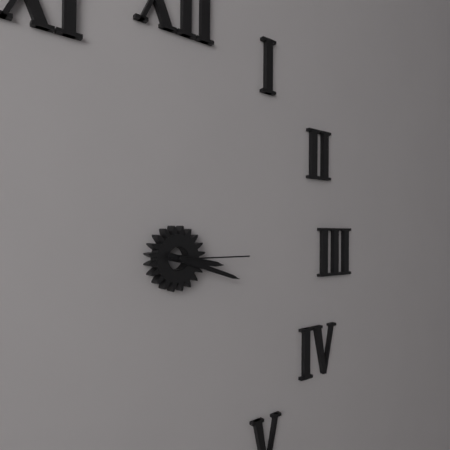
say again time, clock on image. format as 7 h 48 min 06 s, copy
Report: 3 h 18 min 15 s
